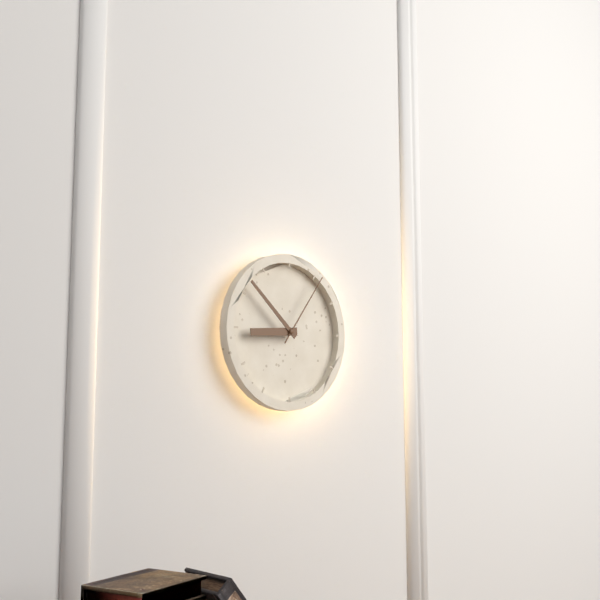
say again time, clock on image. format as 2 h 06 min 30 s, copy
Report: 8 h 52 min 06 s
